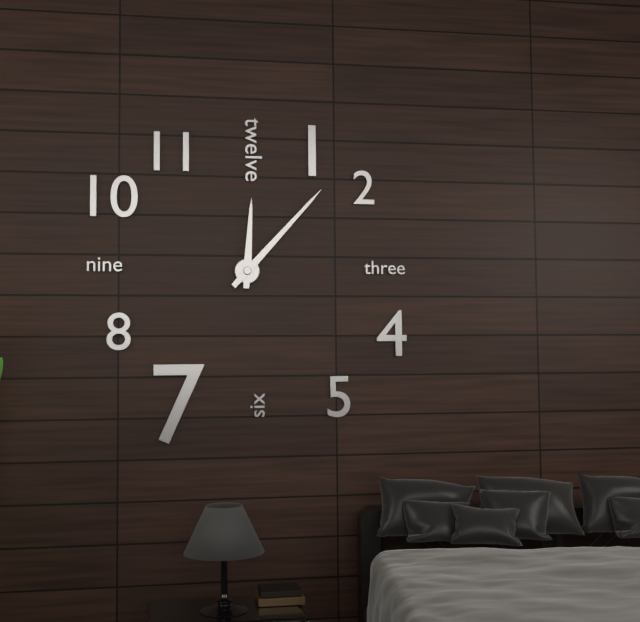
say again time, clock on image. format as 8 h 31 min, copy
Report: 12 h 07 min
